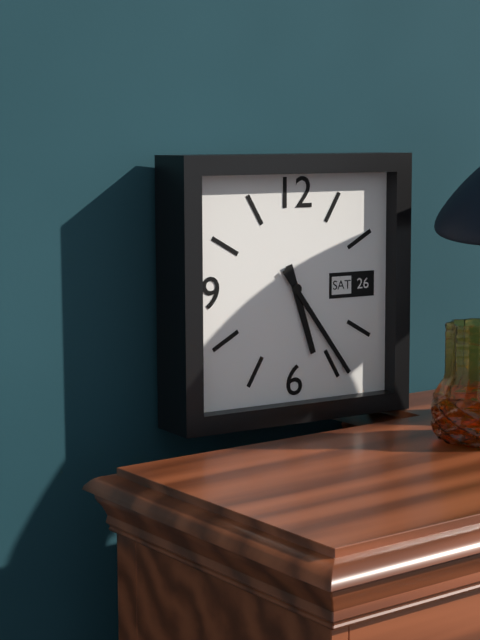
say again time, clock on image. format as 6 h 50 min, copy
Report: 5 h 24 min
